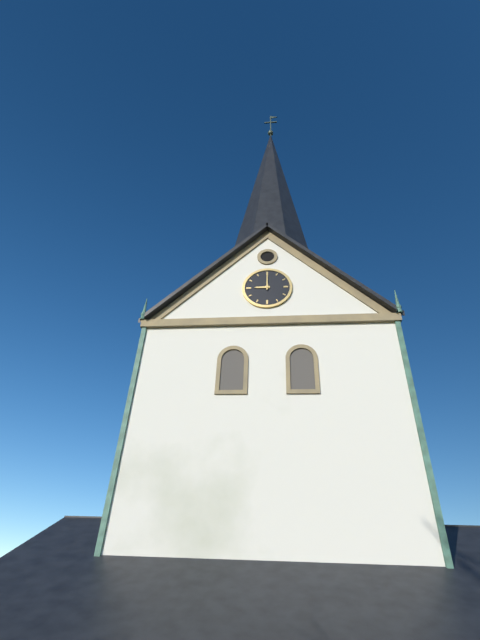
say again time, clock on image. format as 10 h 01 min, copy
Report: 9 h 00 min
